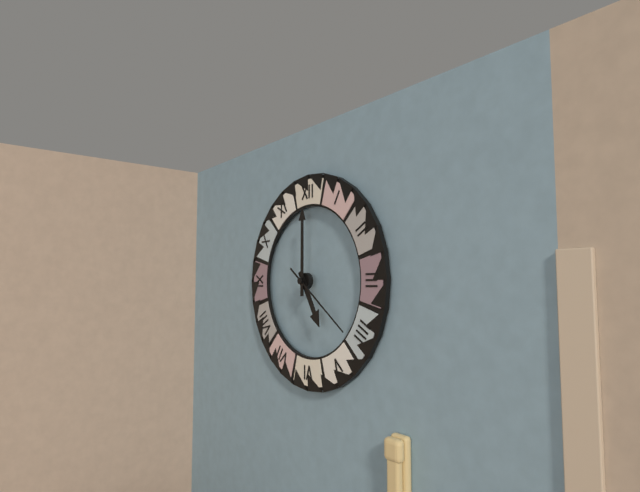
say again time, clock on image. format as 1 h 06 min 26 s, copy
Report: 5 h 00 min 21 s
